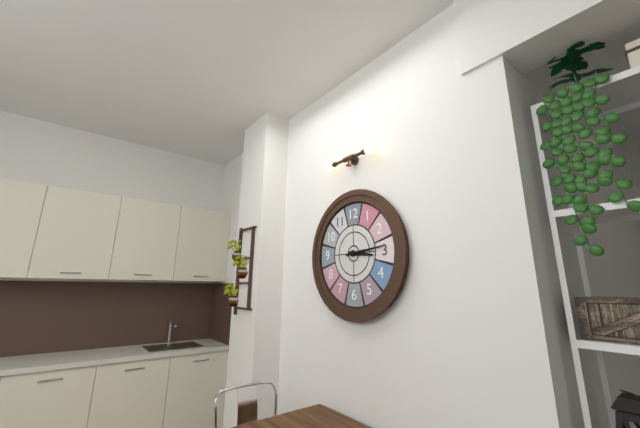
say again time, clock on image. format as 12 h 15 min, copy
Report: 3 h 14 min
